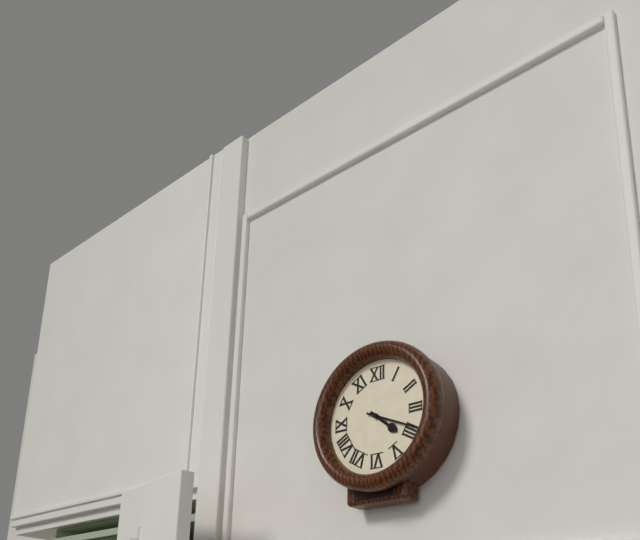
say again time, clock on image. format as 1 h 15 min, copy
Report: 4 h 19 min
